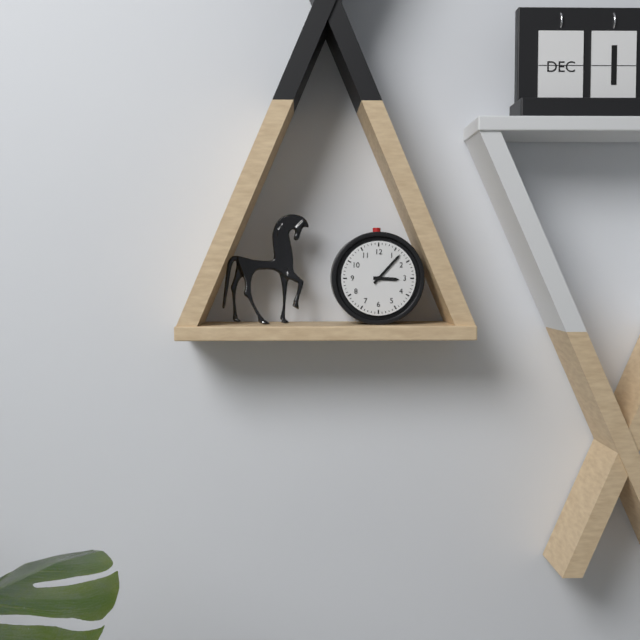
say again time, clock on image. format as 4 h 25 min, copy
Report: 3 h 07 min
